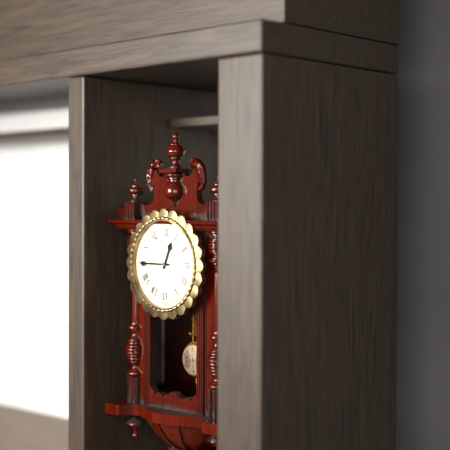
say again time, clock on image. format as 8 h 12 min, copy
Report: 12 h 45 min
